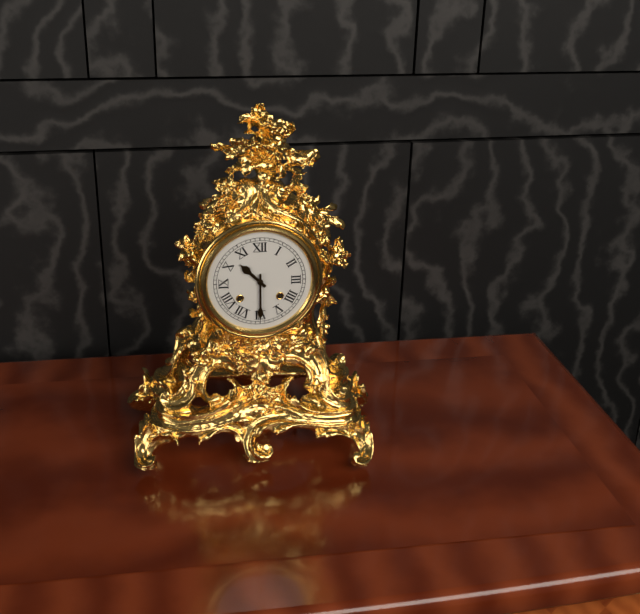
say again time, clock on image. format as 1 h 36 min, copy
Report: 10 h 30 min
